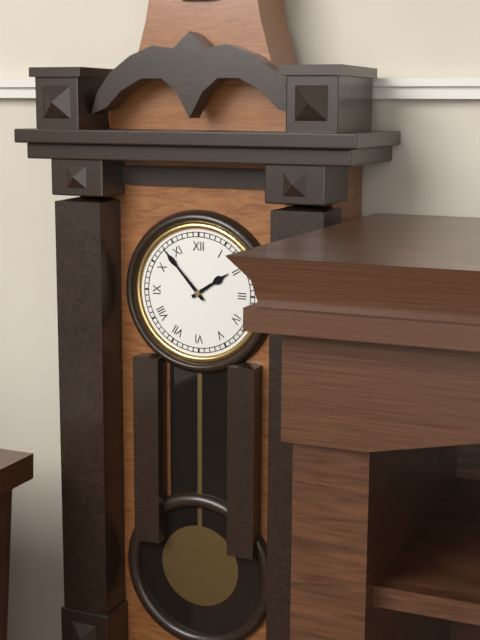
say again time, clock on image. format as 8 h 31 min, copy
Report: 1 h 53 min
